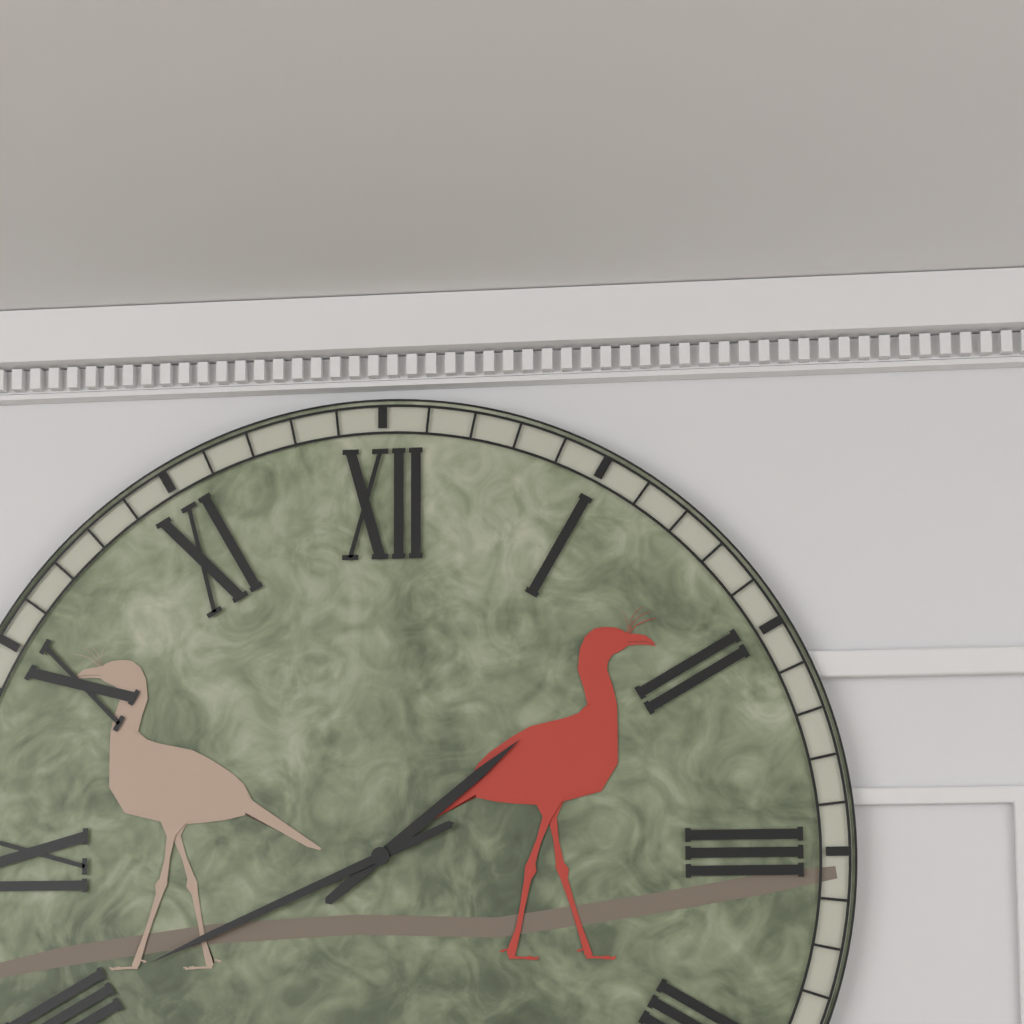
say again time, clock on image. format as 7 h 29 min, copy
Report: 1 h 41 min
